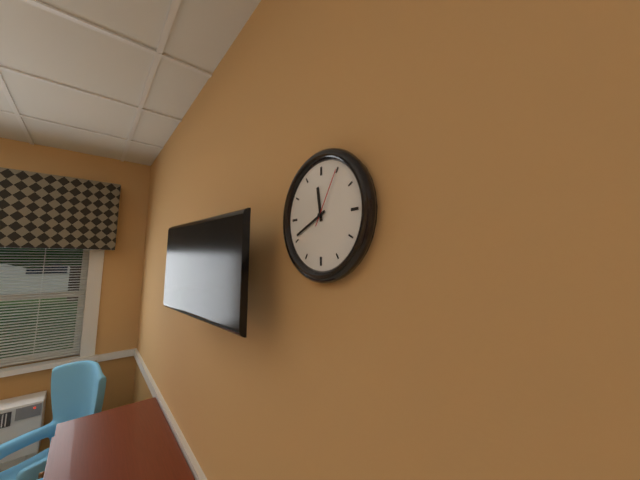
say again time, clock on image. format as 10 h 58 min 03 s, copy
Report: 11 h 41 min 05 s
